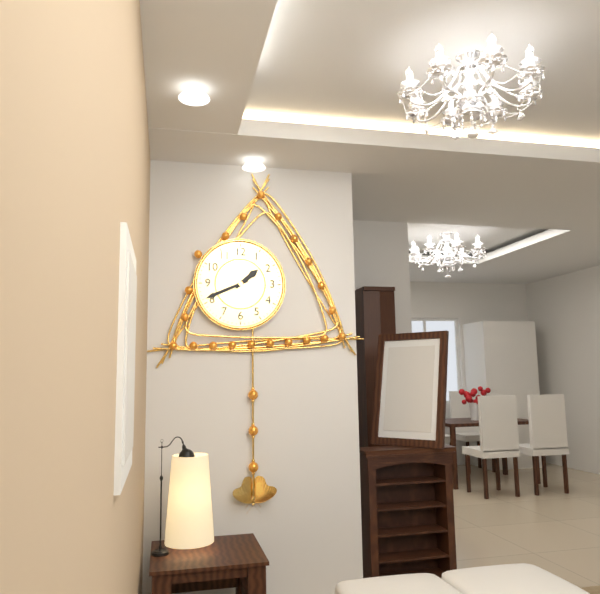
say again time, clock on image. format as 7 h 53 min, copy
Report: 1 h 41 min
